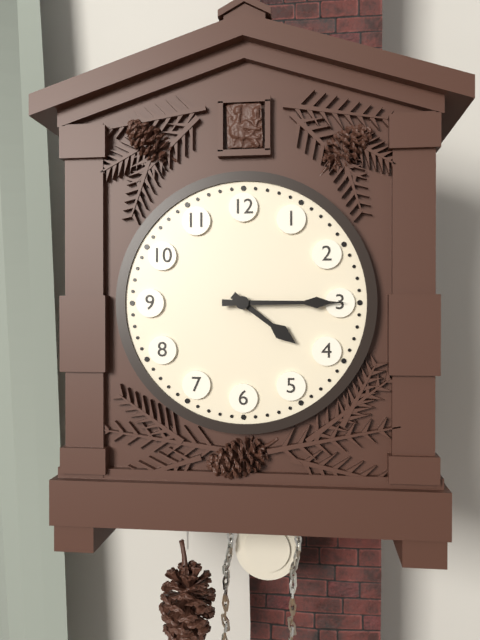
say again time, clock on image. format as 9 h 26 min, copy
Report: 4 h 15 min
